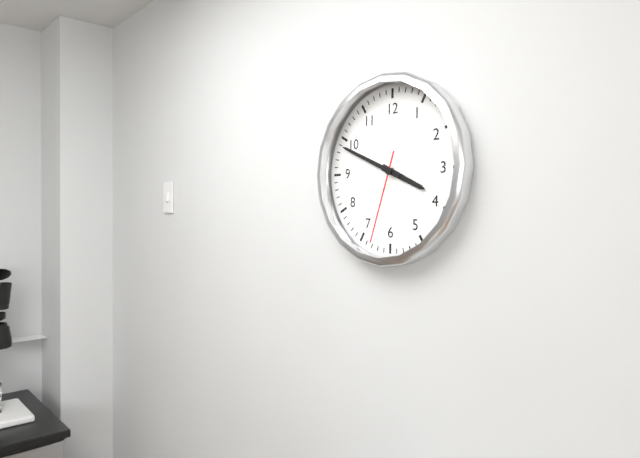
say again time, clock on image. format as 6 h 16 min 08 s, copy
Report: 3 h 49 min 33 s
